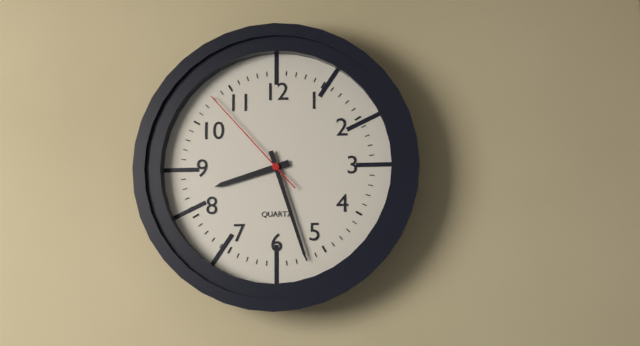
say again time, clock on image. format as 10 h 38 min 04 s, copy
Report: 8 h 27 min 53 s
